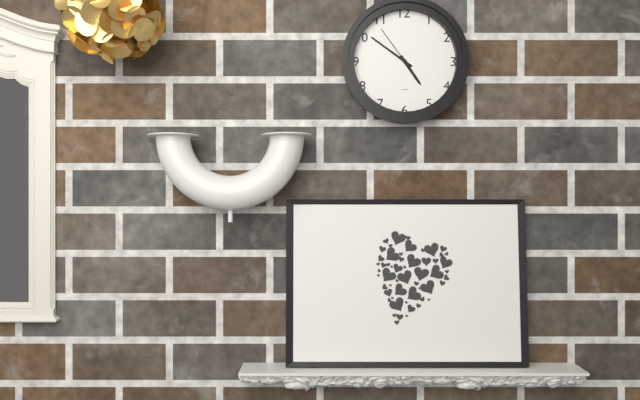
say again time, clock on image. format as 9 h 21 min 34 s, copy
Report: 4 h 51 min 54 s
